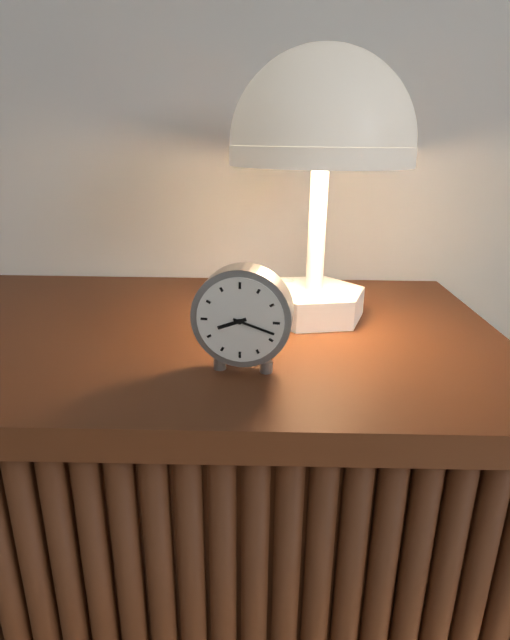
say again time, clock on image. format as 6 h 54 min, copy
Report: 8 h 18 min
